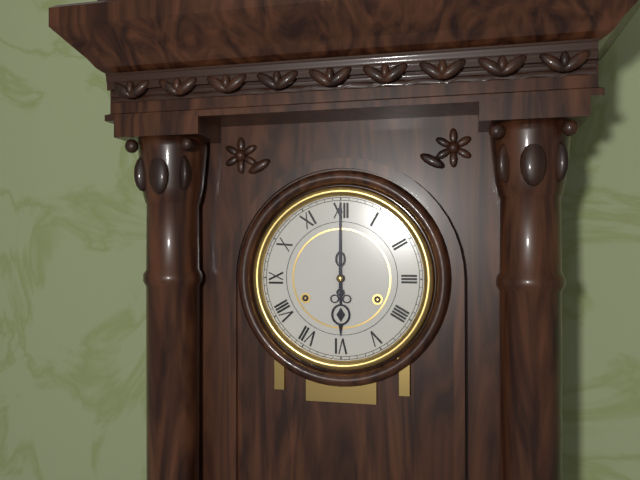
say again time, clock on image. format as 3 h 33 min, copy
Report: 6 h 00 min
